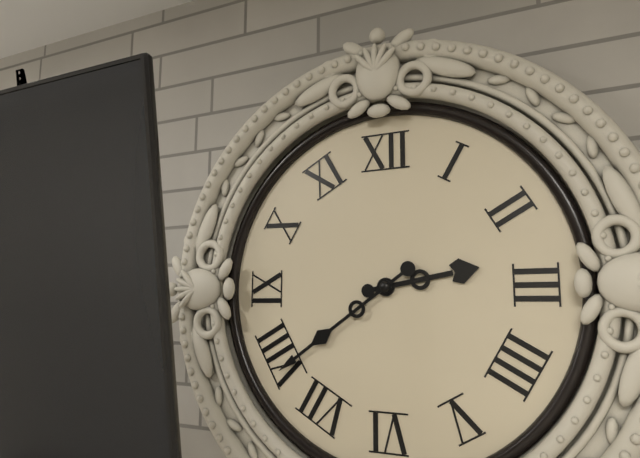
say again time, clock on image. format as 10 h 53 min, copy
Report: 2 h 39 min
